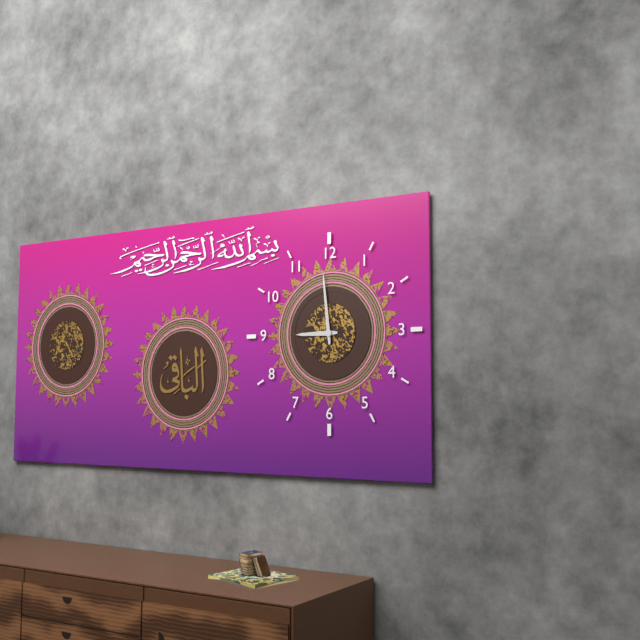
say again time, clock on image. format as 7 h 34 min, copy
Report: 8 h 59 min
